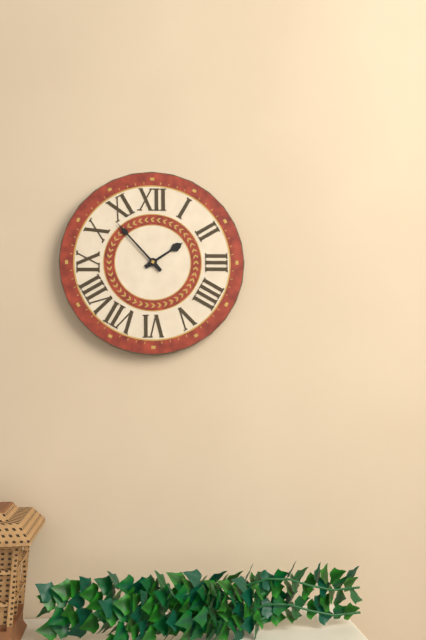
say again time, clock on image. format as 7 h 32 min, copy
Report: 1 h 53 min
